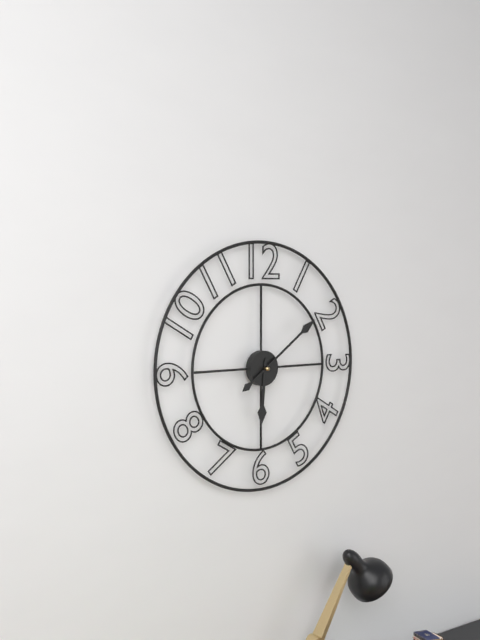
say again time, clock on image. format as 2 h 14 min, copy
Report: 6 h 09 min
